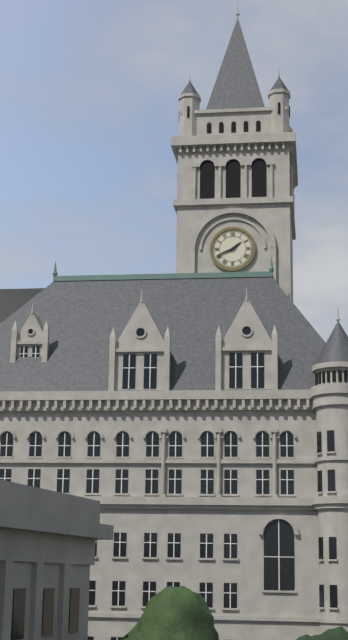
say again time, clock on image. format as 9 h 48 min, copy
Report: 1 h 41 min
